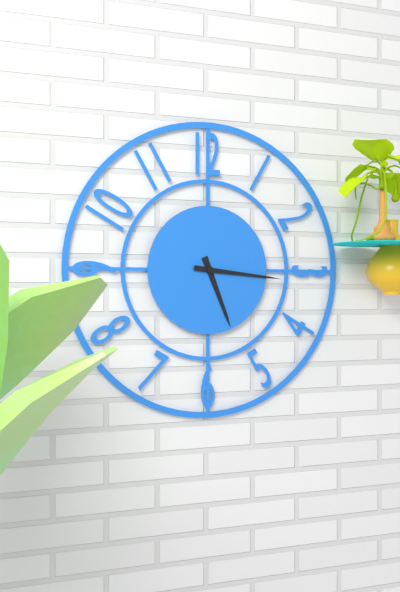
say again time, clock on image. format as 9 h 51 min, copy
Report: 5 h 16 min
